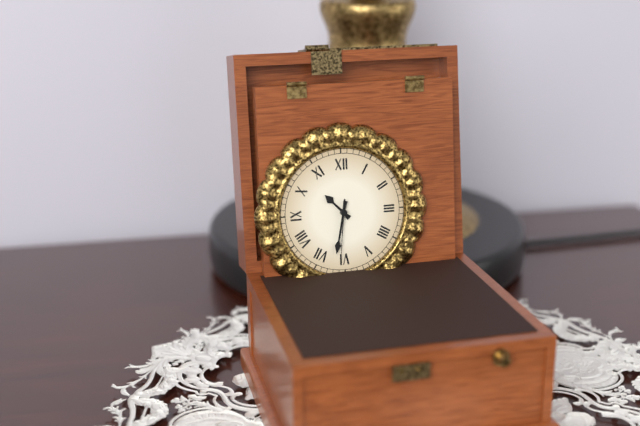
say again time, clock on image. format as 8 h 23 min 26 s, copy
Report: 10 h 32 min 31 s
